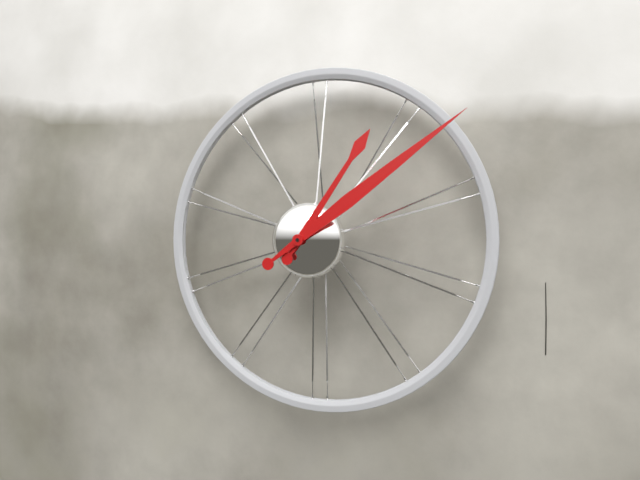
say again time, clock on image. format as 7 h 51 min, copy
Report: 1 h 09 min
